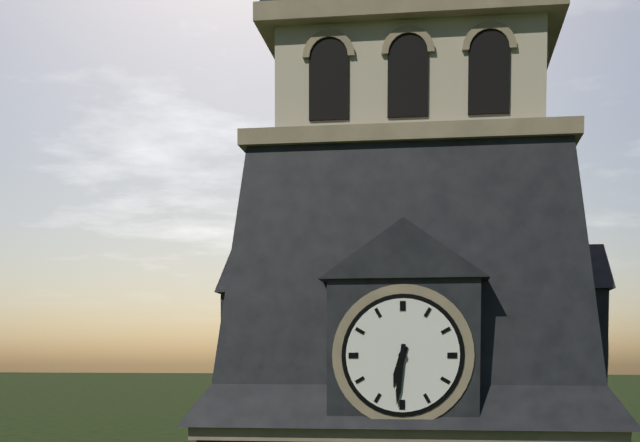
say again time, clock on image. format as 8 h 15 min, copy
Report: 6 h 31 min
